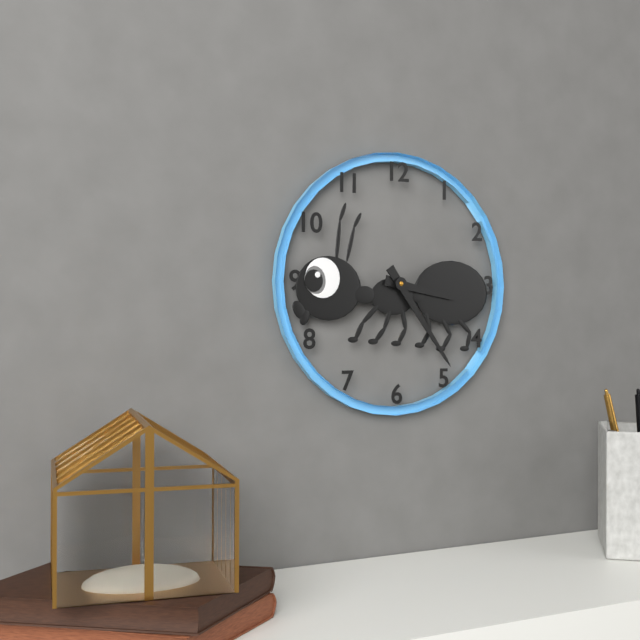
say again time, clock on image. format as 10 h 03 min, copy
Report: 3 h 24 min
